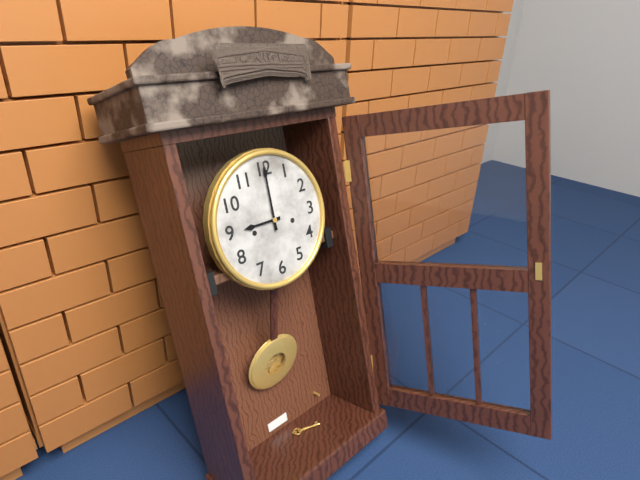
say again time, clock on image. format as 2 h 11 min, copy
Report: 9 h 00 min
